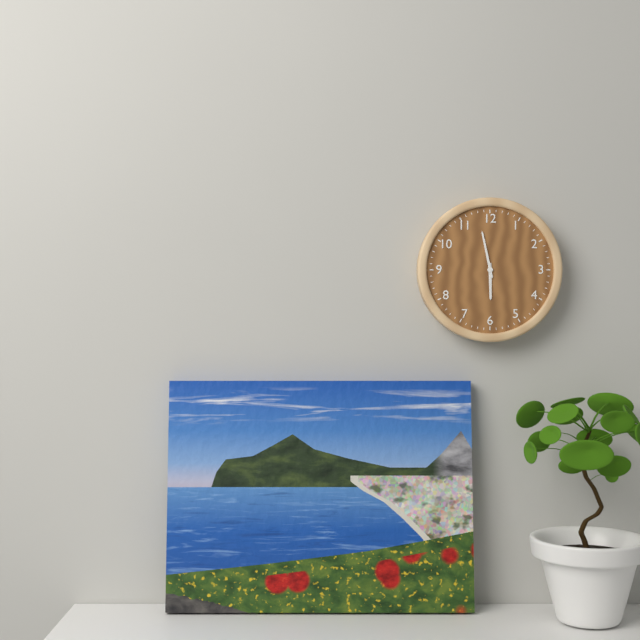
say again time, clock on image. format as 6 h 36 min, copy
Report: 5 h 58 min
